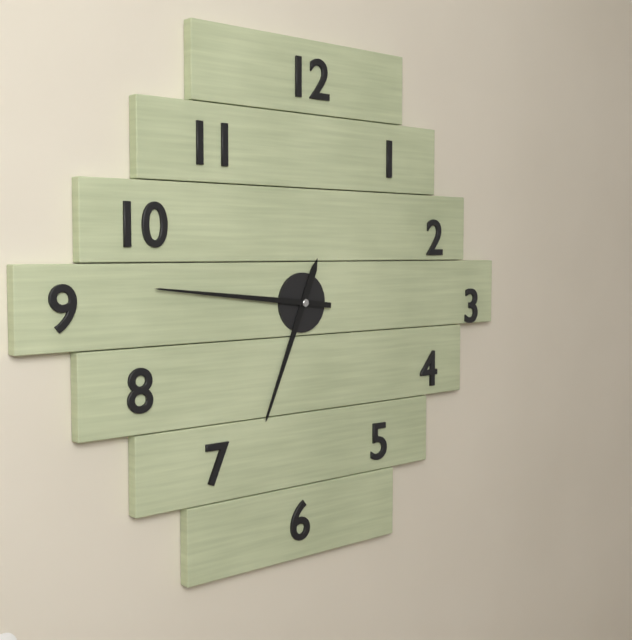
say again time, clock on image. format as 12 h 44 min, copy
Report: 6 h 46 min
